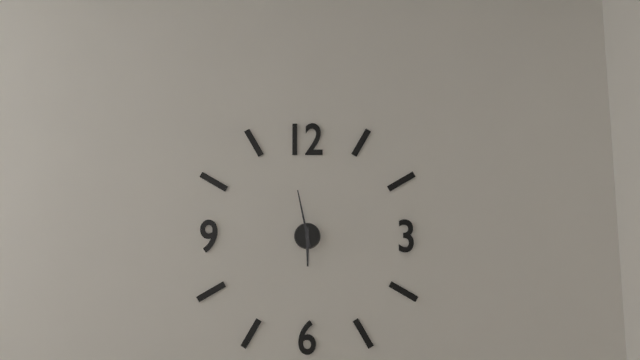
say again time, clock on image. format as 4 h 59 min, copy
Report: 5 h 58 min
